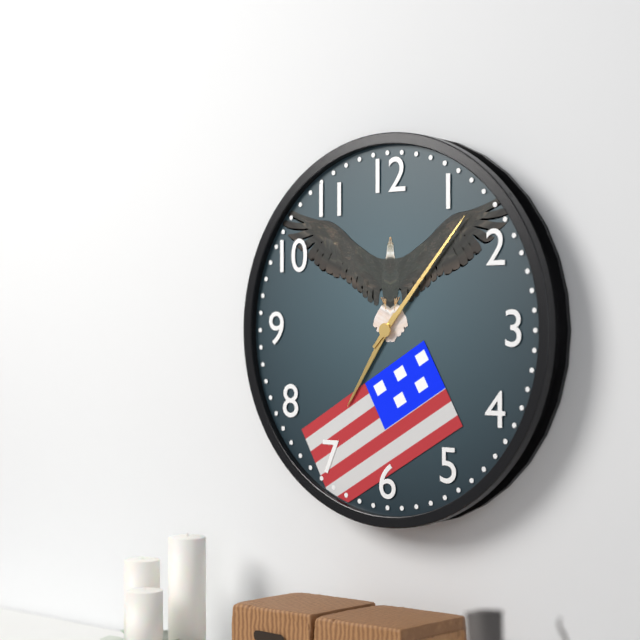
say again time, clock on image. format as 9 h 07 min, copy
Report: 7 h 07 min
